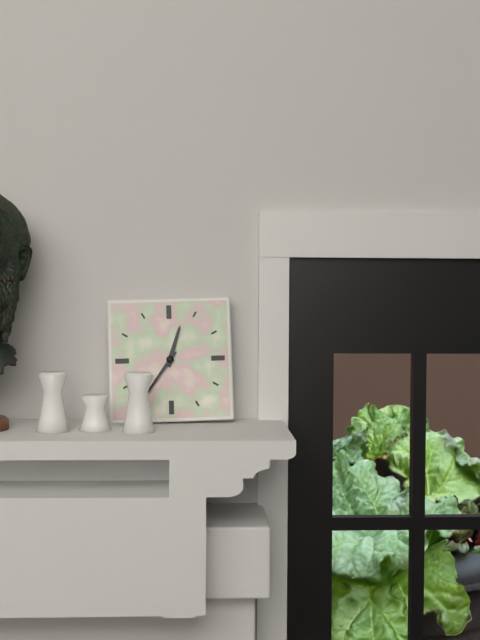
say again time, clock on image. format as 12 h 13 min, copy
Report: 12 h 36 min
